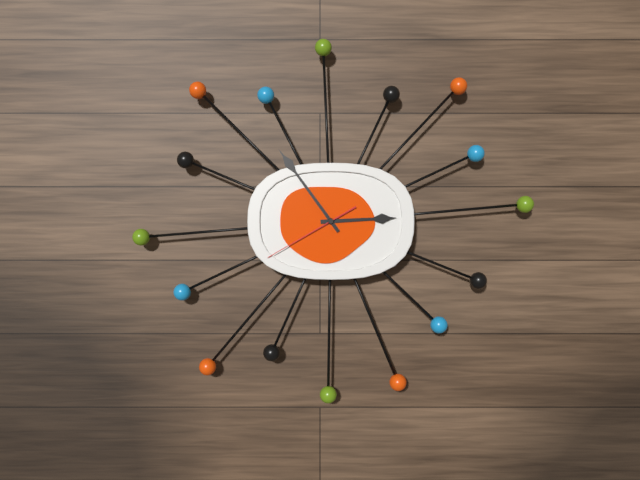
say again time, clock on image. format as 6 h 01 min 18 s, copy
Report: 2 h 54 min 40 s
